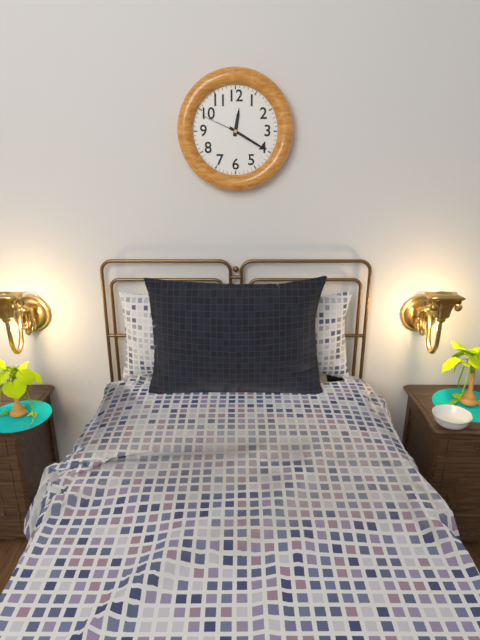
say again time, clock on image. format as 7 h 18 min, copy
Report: 12 h 20 min
